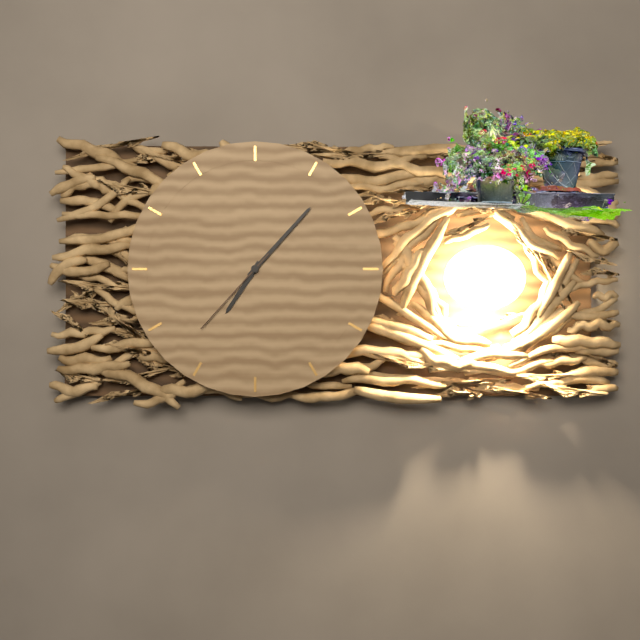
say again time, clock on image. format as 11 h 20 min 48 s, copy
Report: 7 h 07 min 37 s
